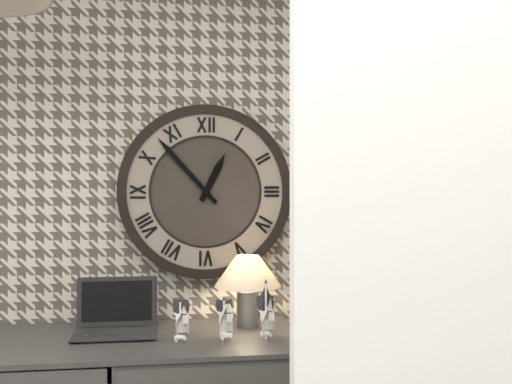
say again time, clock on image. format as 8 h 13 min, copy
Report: 12 h 53 min
